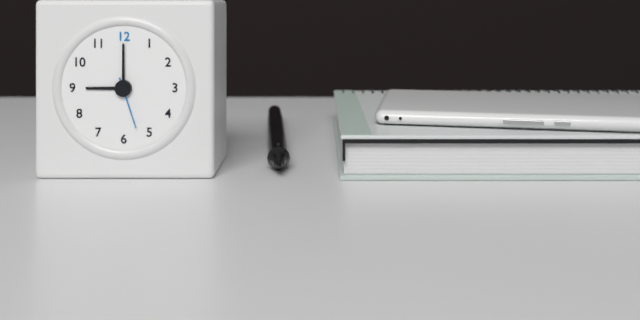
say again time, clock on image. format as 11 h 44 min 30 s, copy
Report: 9 h 00 min 27 s
